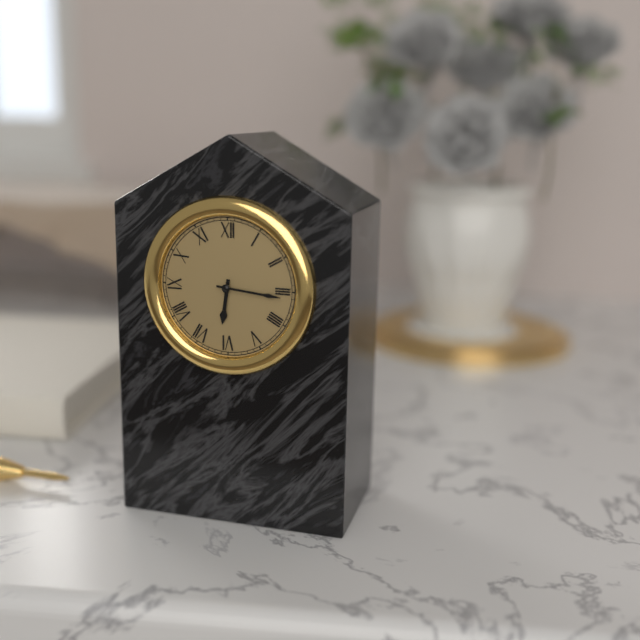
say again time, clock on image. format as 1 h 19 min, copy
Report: 6 h 16 min
